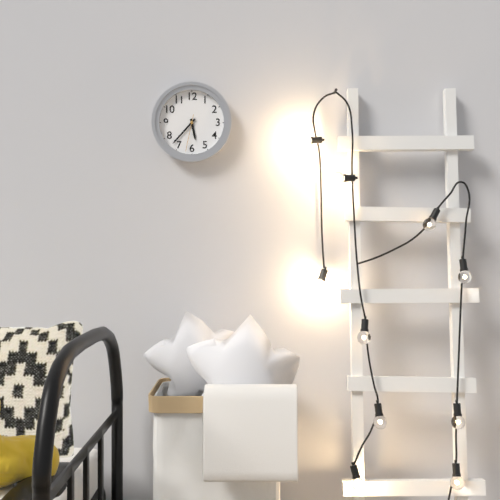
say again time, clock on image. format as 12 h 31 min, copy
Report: 5 h 37 min
